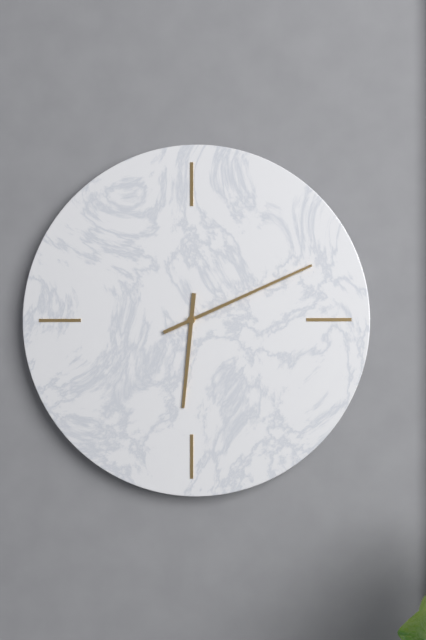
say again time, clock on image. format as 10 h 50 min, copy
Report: 6 h 11 min
